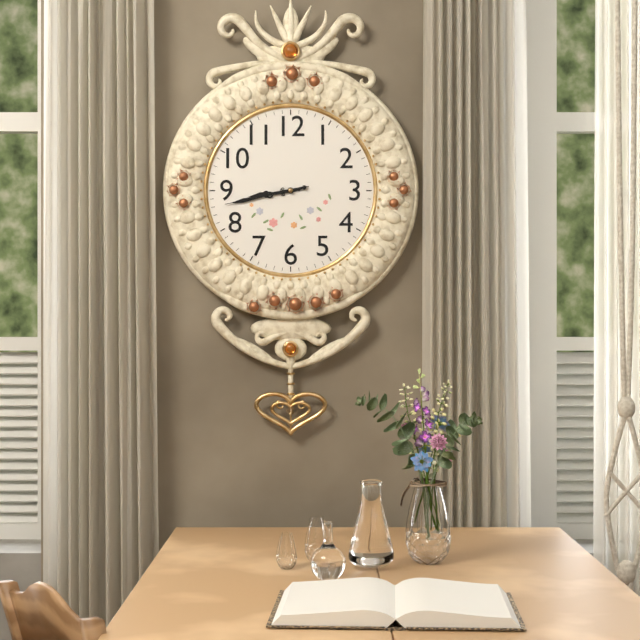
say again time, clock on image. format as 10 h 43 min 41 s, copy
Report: 8 h 43 min 43 s
